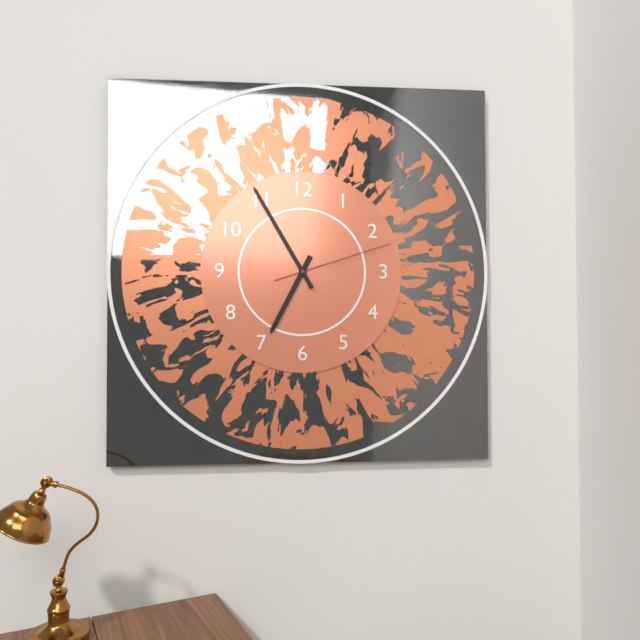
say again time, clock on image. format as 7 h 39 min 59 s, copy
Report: 6 h 55 min 12 s
